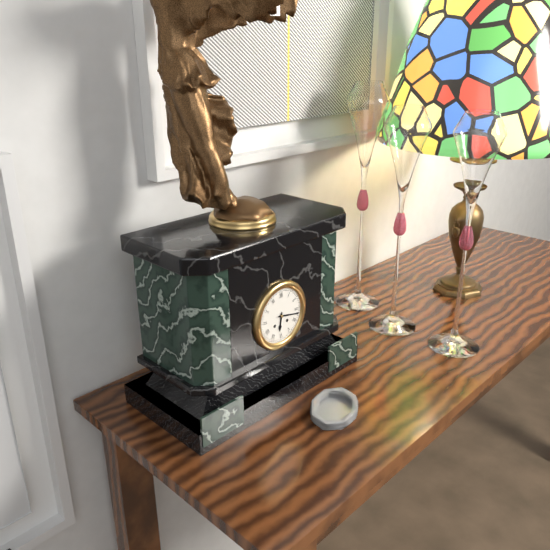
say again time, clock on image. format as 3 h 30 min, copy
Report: 6 h 17 min
